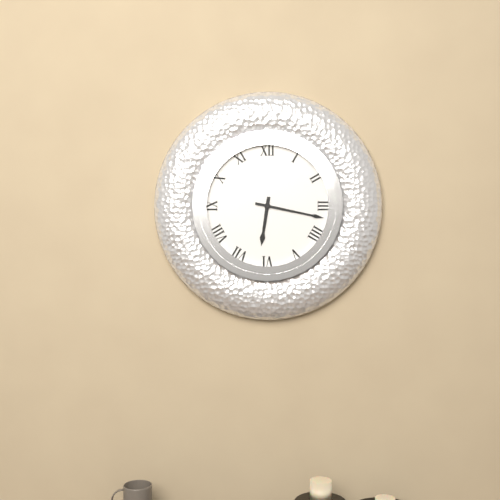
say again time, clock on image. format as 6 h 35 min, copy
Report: 6 h 17 min
